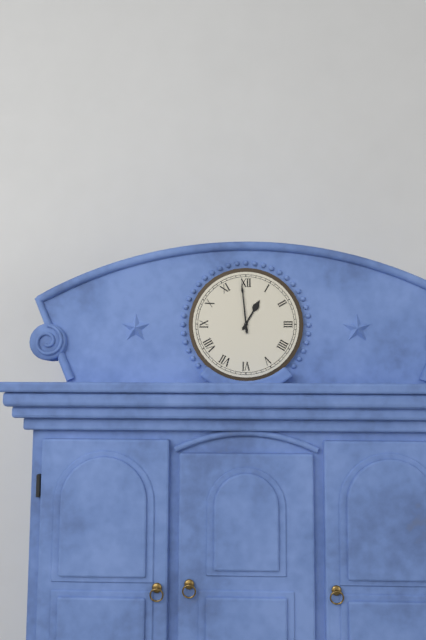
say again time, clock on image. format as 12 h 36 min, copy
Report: 12 h 59 min
